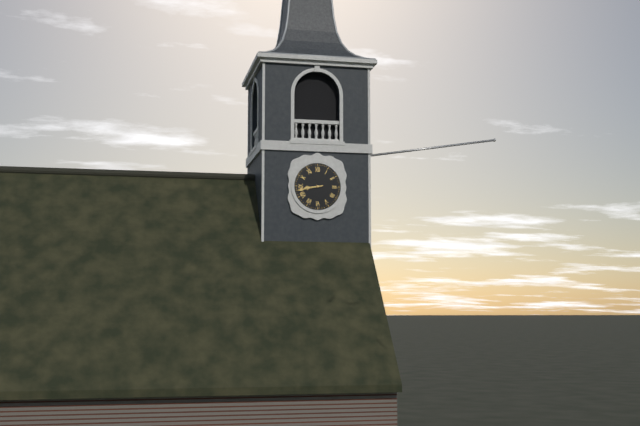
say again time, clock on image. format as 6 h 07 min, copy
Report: 8 h 43 min
